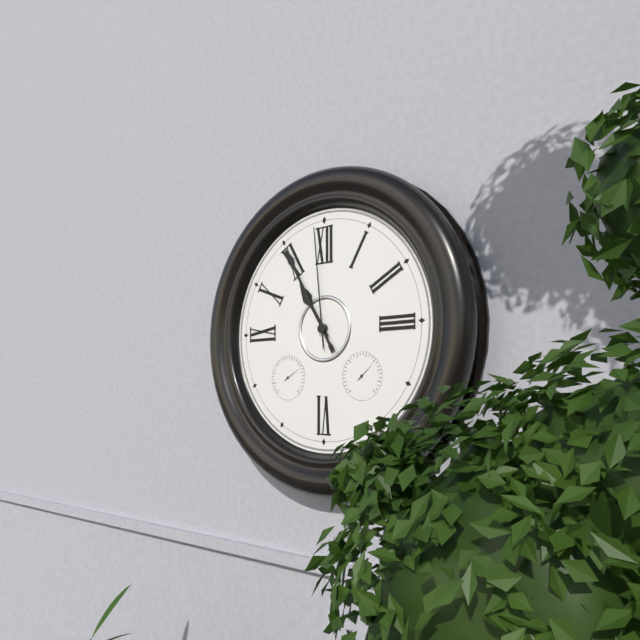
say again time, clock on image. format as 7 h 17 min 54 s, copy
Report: 10 h 55 min 59 s
